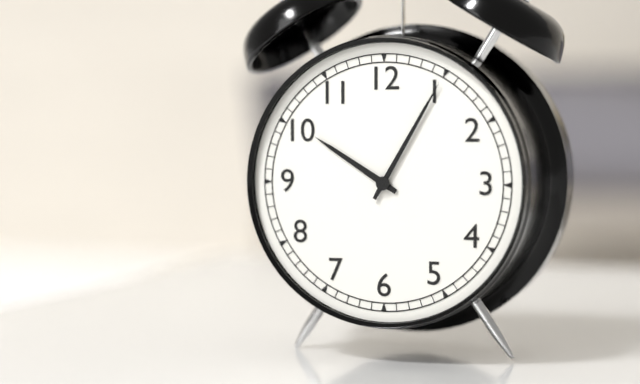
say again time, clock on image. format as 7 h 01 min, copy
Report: 10 h 05 min
